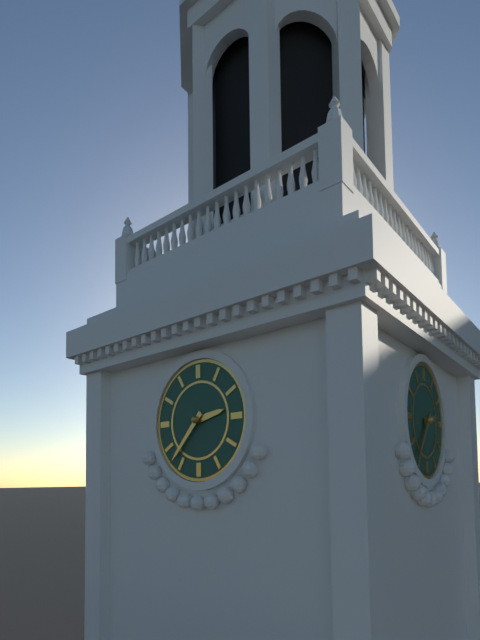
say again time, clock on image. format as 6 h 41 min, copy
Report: 2 h 37 min
